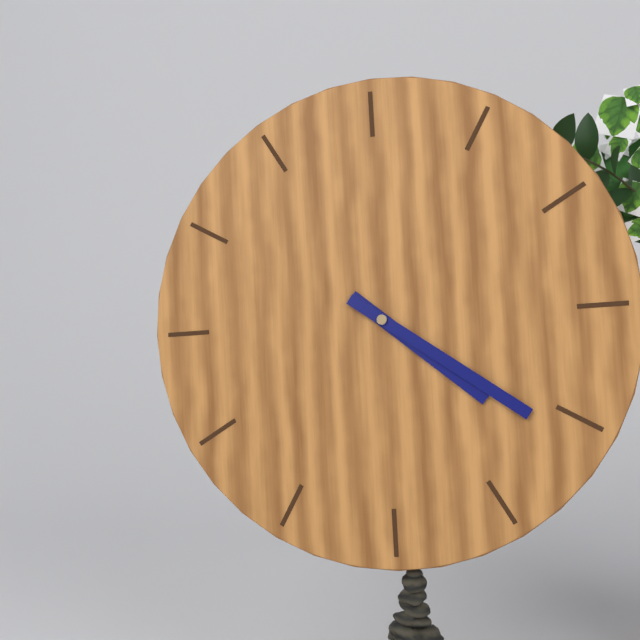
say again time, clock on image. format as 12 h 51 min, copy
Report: 4 h 21 min
